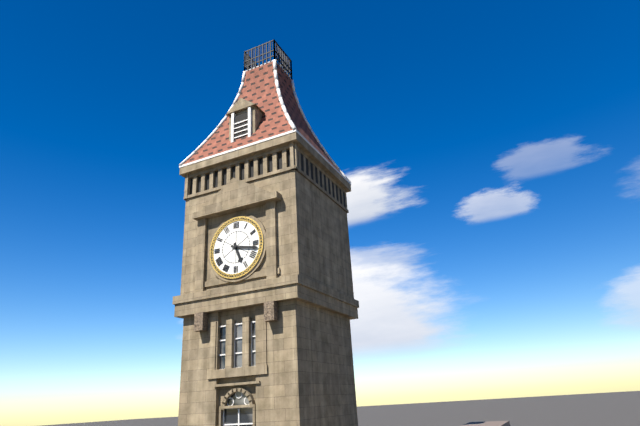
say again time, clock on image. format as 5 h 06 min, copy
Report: 5 h 17 min
